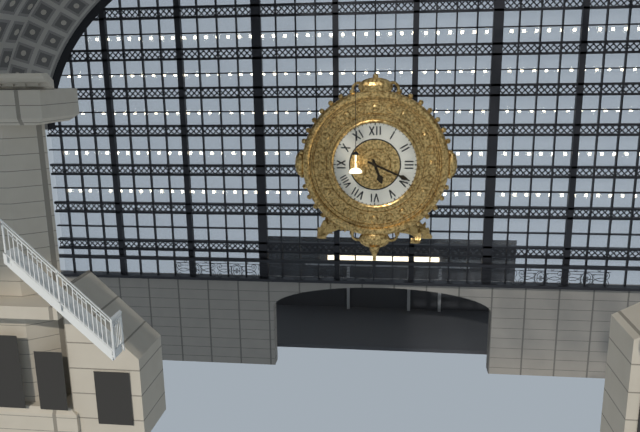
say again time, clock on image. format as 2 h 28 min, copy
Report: 5 h 19 min
